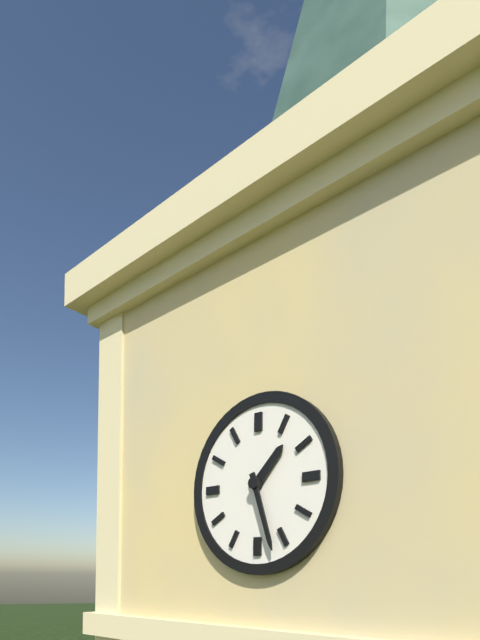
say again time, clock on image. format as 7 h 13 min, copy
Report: 1 h 27 min
